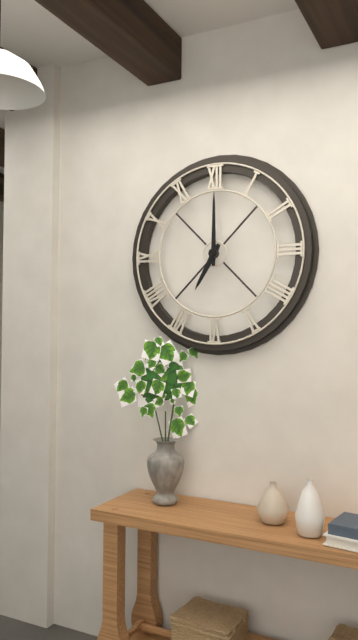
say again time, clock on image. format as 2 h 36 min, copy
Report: 7 h 00 min
